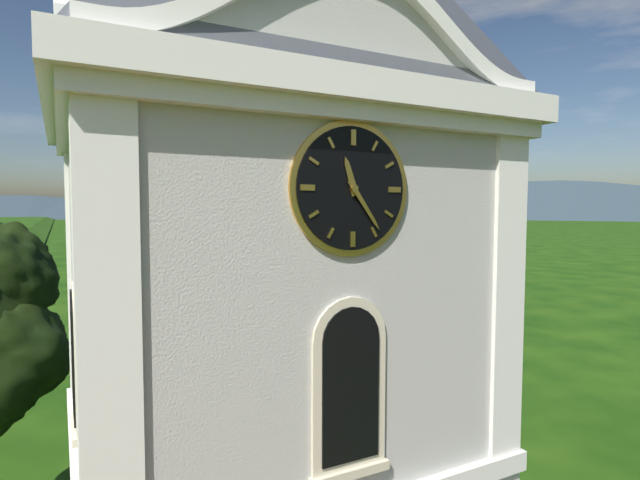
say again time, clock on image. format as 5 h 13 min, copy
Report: 11 h 24 min
